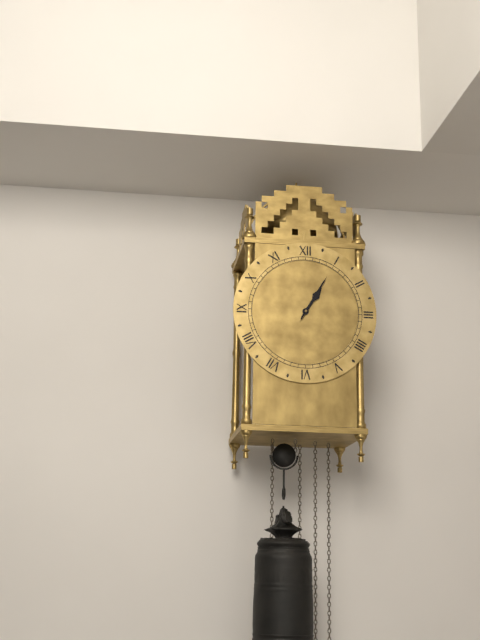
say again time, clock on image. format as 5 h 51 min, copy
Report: 1 h 05 min
